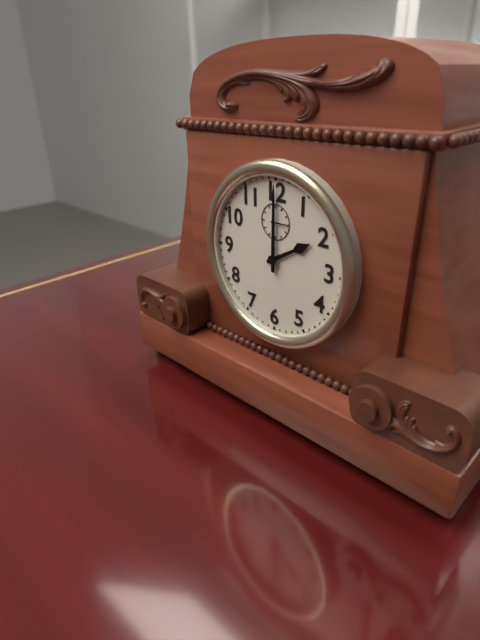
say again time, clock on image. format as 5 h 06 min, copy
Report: 2 h 00 min
